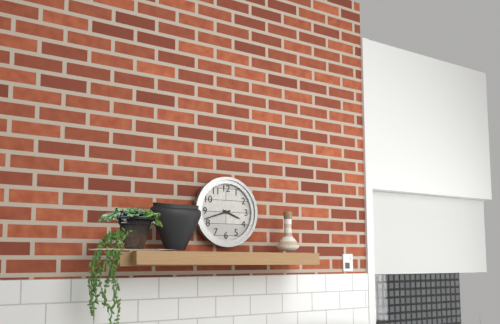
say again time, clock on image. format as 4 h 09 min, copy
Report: 3 h 42 min
